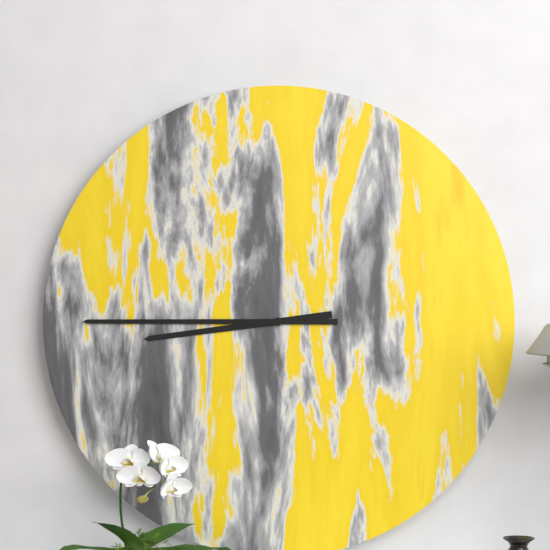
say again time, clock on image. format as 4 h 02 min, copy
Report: 8 h 45 min
